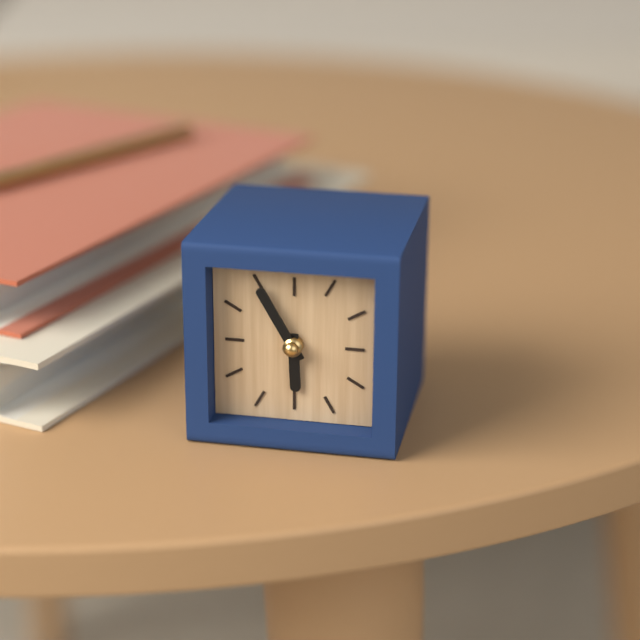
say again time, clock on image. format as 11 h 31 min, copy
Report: 5 h 55 min
